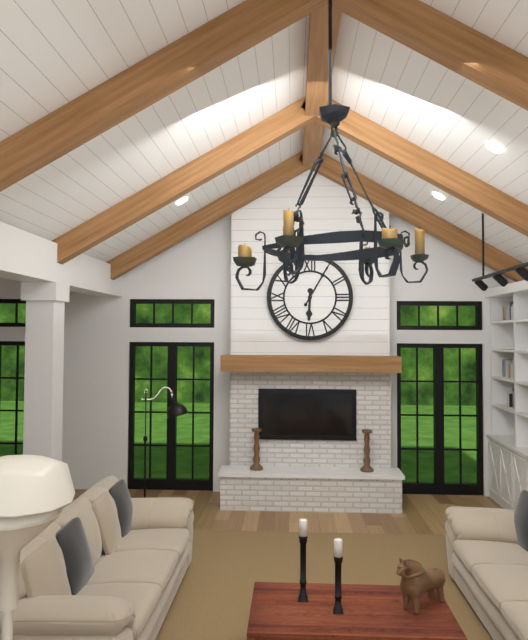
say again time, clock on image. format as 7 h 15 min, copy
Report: 6 h 05 min
